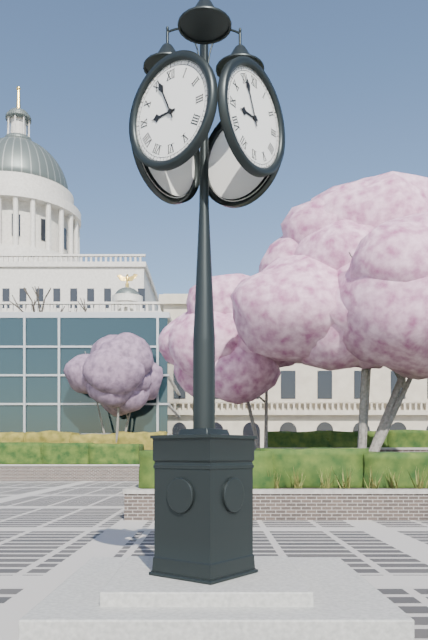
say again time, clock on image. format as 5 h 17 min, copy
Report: 8 h 56 min
